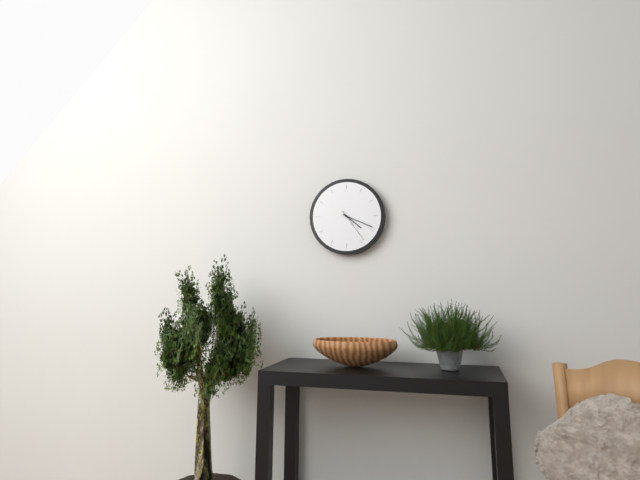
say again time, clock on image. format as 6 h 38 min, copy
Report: 4 h 19 min
